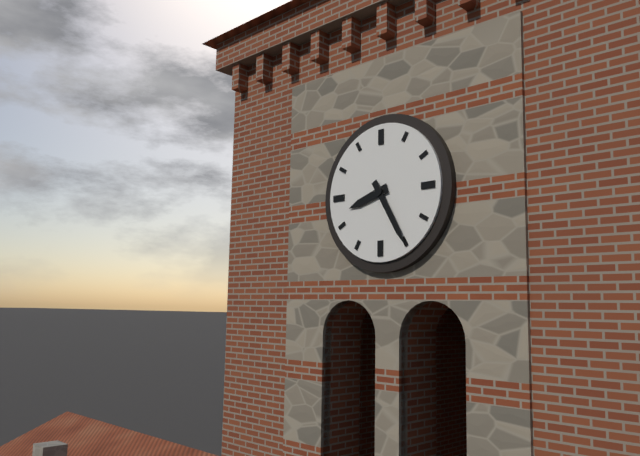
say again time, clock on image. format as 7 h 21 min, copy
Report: 8 h 25 min
